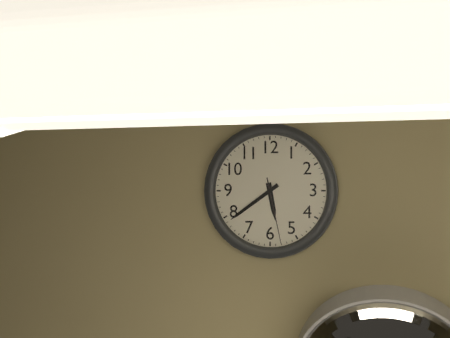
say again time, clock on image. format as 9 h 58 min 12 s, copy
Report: 5 h 39 min 28 s
